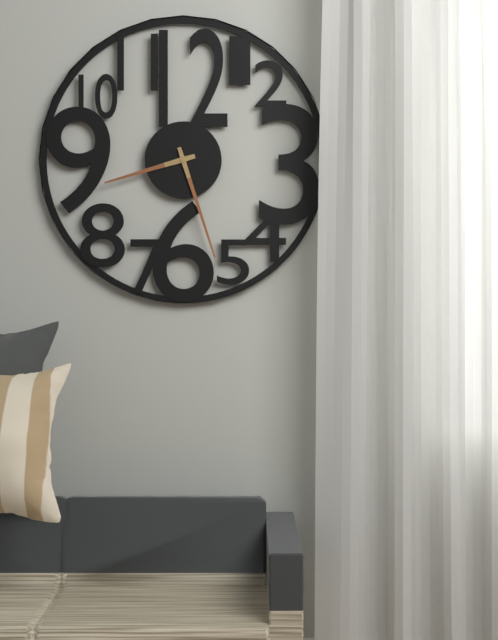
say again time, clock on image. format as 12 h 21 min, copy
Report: 8 h 27 min
